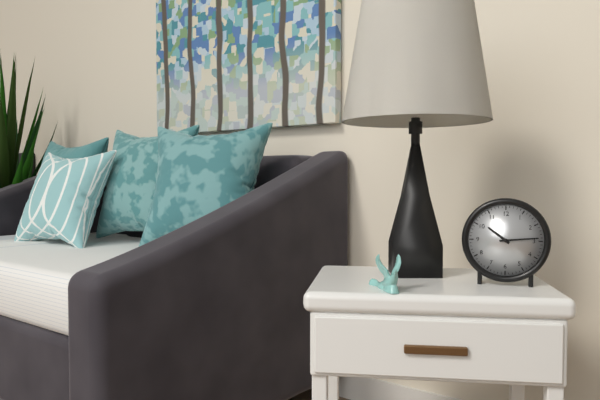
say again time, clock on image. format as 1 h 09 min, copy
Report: 10 h 14 min
